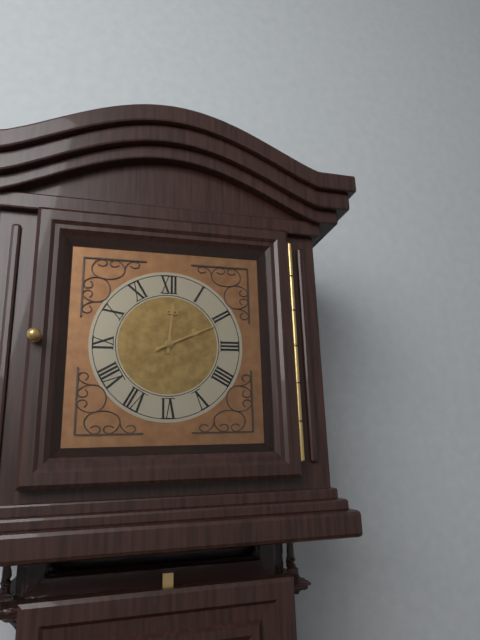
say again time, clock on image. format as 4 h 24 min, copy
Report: 12 h 11 min
